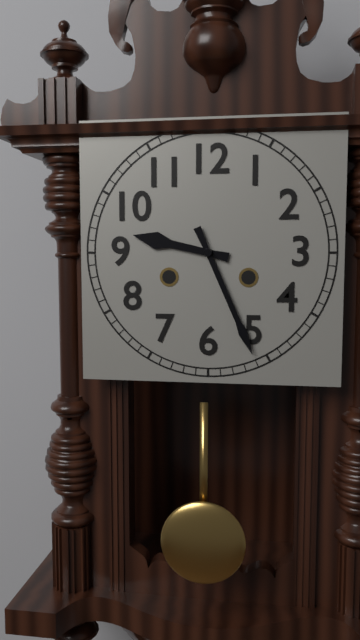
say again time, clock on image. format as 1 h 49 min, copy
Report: 9 h 26 min
